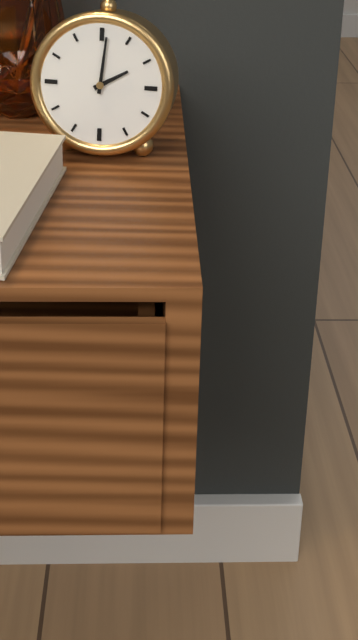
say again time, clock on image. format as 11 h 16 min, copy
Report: 2 h 01 min
